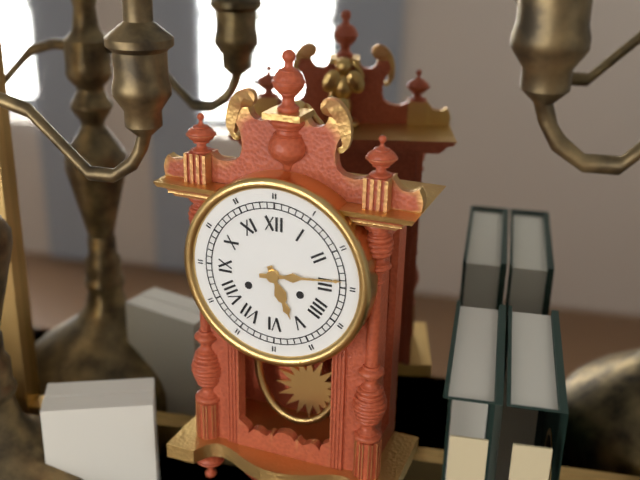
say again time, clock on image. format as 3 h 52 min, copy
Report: 5 h 14 min
